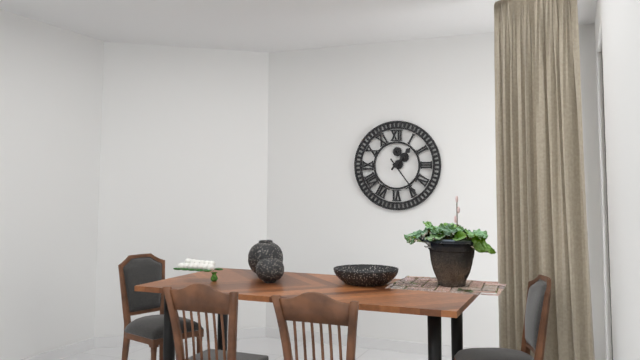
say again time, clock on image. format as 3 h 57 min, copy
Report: 1 h 24 min
